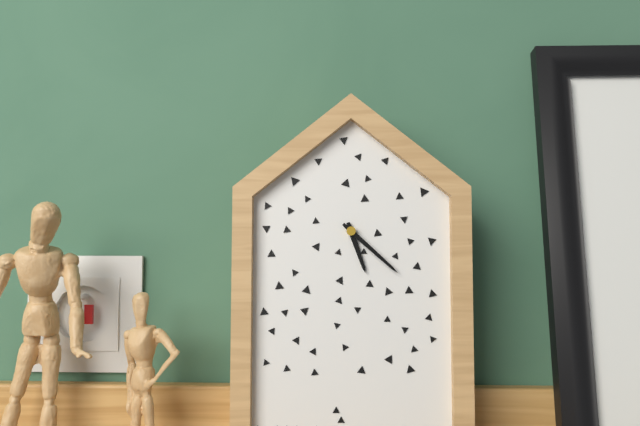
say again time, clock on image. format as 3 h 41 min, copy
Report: 5 h 22 min
